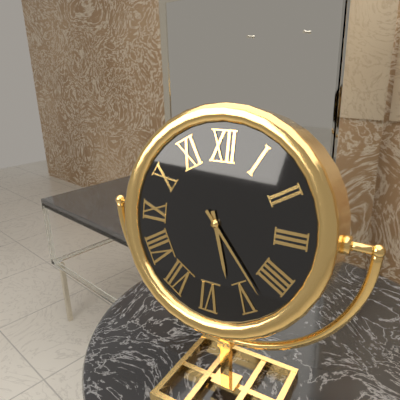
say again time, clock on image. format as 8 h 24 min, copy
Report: 5 h 23 min
